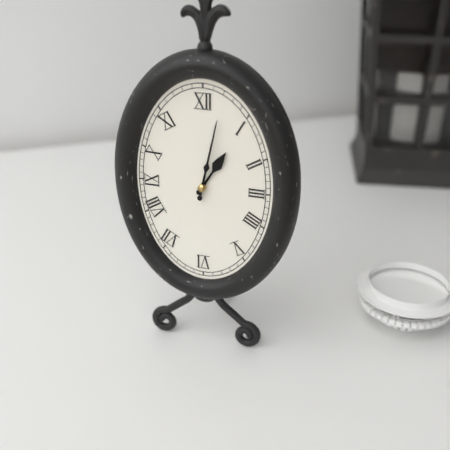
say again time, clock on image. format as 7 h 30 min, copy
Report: 1 h 02 min
